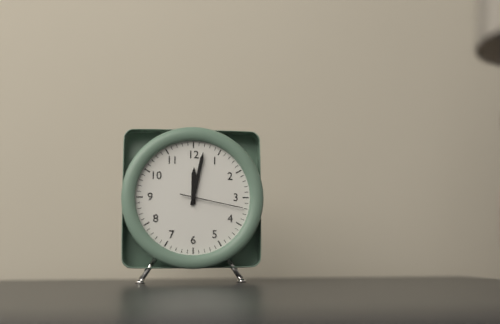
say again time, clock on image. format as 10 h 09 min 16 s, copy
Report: 12 h 02 min 17 s
